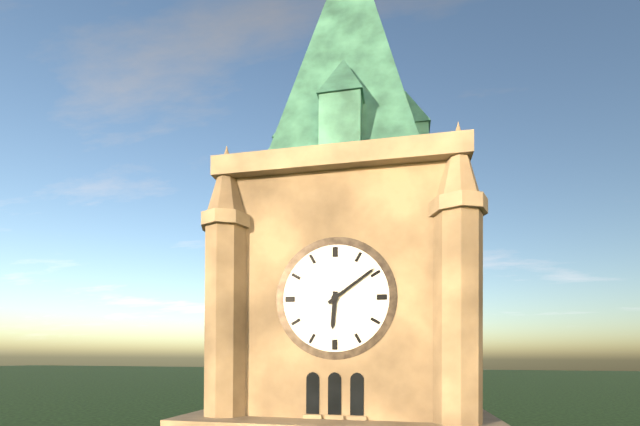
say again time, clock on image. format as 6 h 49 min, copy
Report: 6 h 09 min
